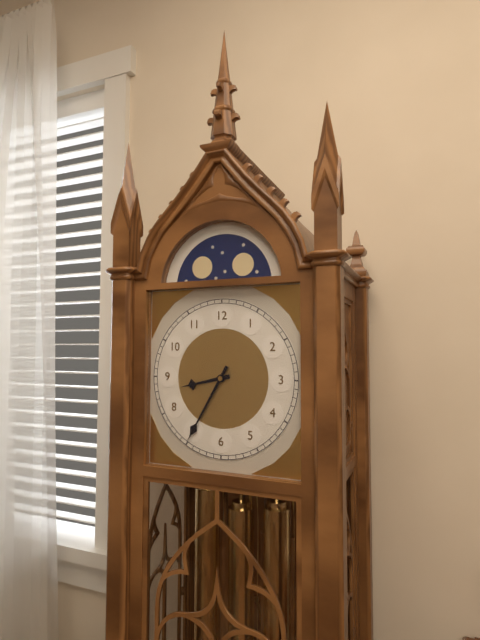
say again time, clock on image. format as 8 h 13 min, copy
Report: 8 h 35 min
